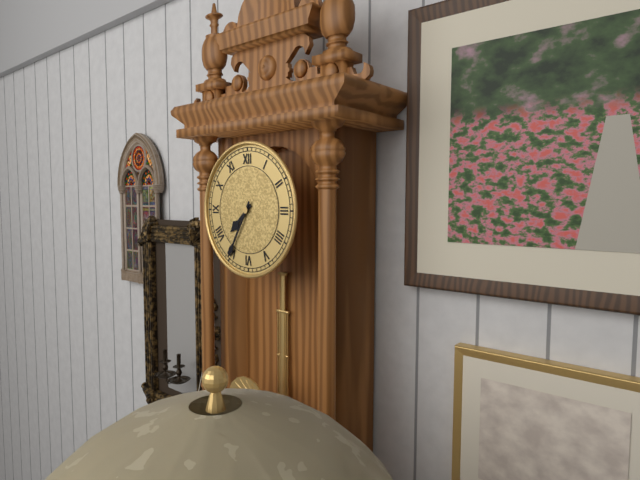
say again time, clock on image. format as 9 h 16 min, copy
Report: 7 h 35 min
